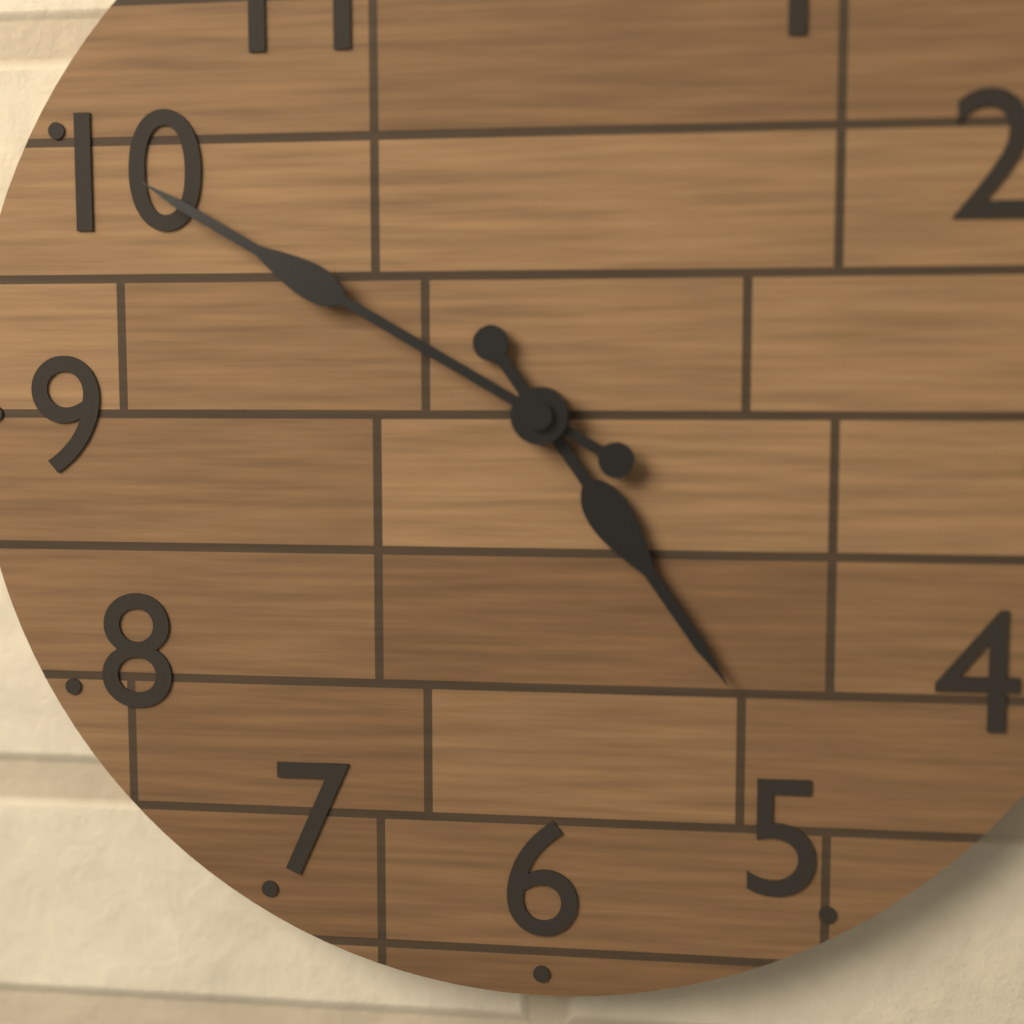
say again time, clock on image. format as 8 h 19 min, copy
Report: 4 h 50 min
